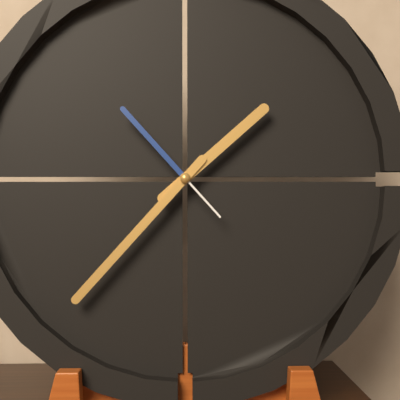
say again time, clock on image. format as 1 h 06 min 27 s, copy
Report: 1 h 37 min 53 s
